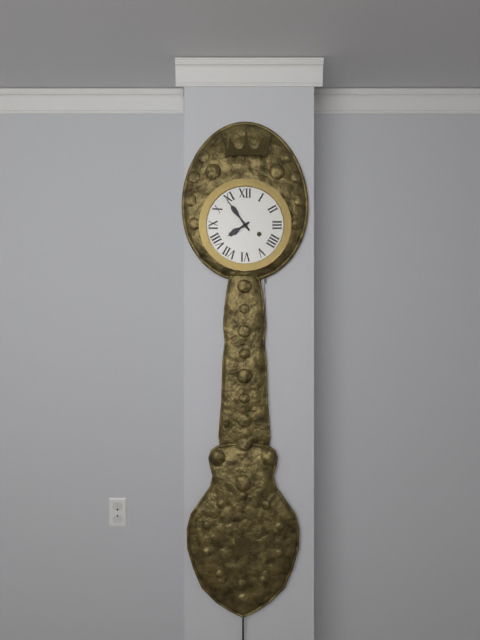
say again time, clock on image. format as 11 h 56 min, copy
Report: 7 h 54 min
